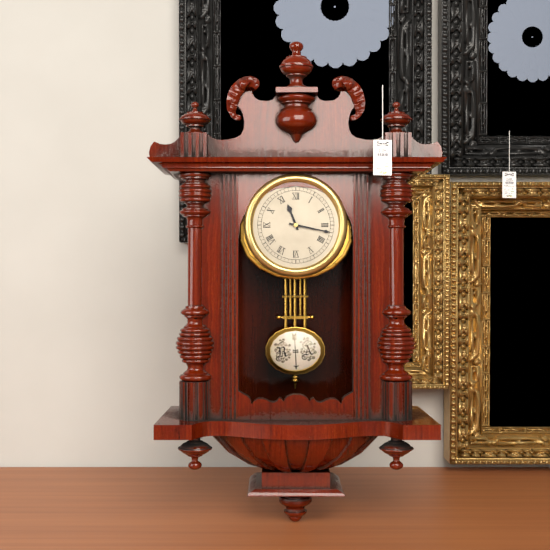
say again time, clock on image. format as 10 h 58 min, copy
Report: 11 h 17 min
